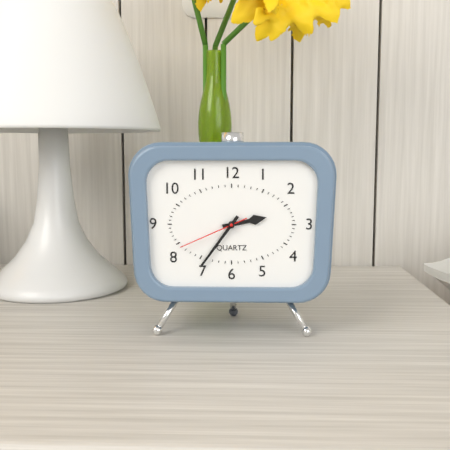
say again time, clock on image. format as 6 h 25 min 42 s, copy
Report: 2 h 36 min 41 s
